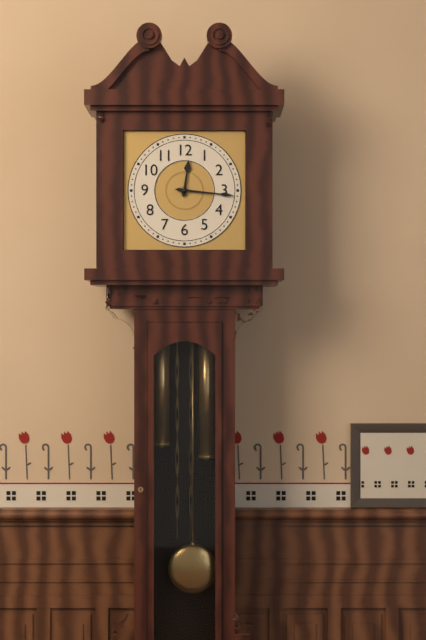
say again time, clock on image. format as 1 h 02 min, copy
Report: 12 h 16 min
